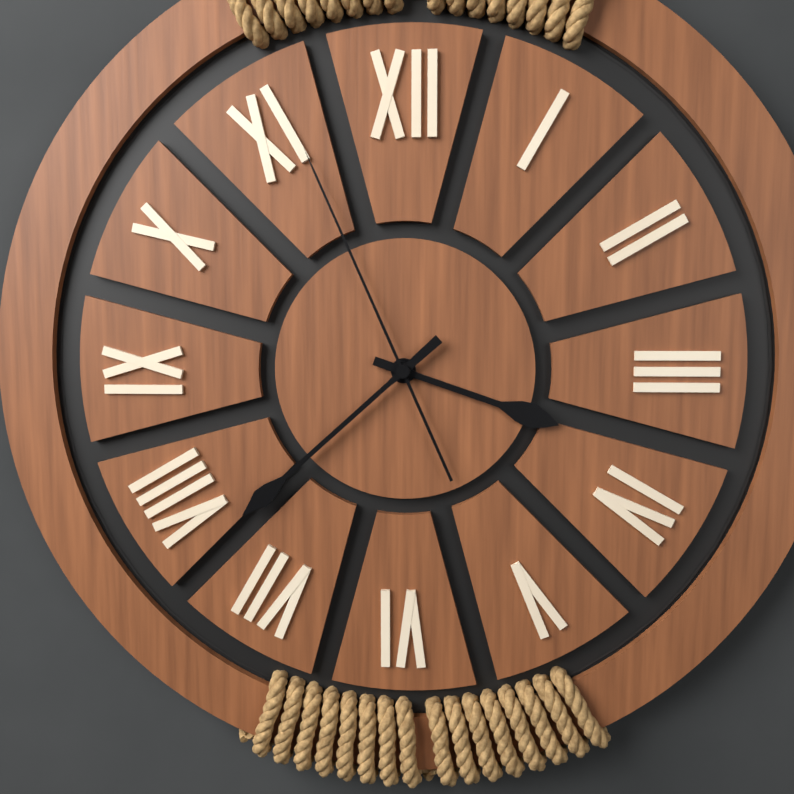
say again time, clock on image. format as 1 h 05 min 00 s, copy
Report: 3 h 38 min 56 s
